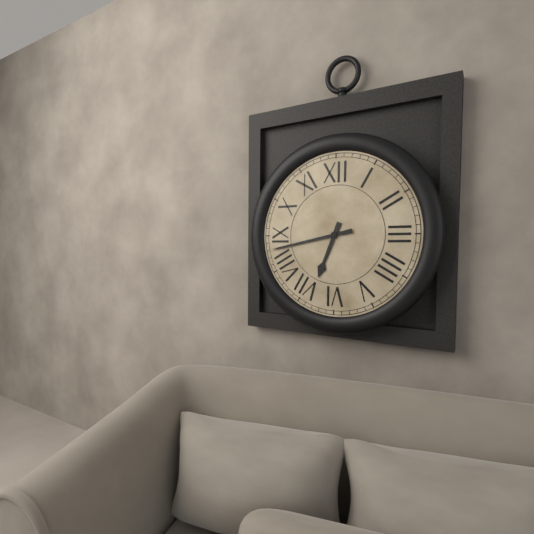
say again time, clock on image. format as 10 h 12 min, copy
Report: 6 h 43 min
